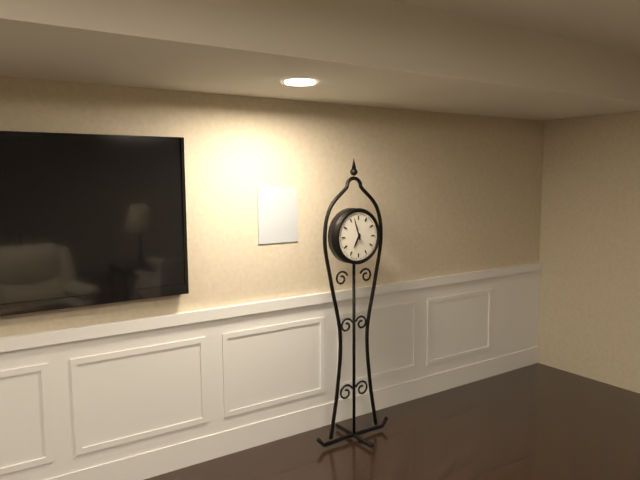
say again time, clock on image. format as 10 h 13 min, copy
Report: 6 h 57 min
